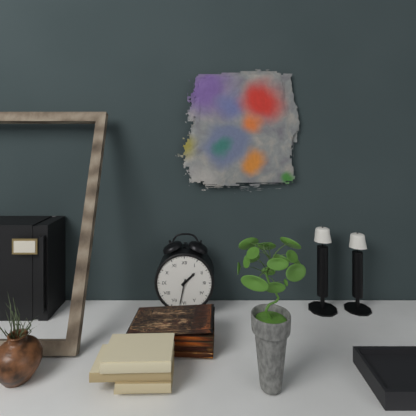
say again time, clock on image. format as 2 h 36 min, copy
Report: 1 h 32 min
